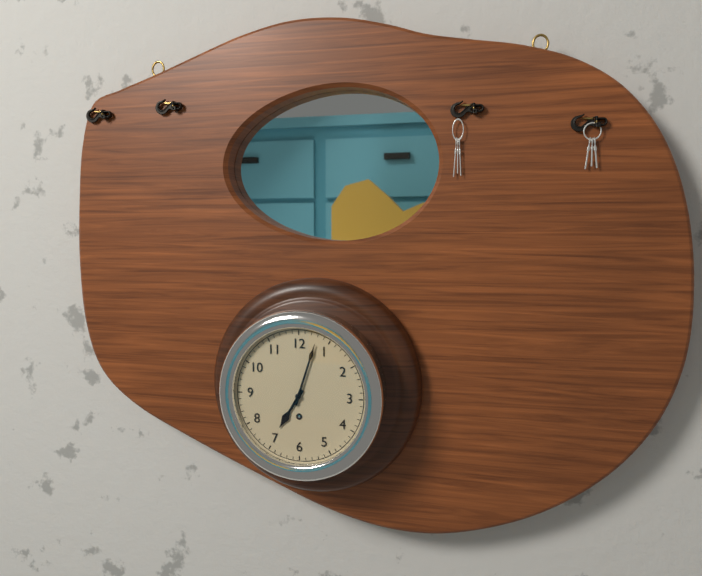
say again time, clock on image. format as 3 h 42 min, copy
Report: 7 h 03 min
